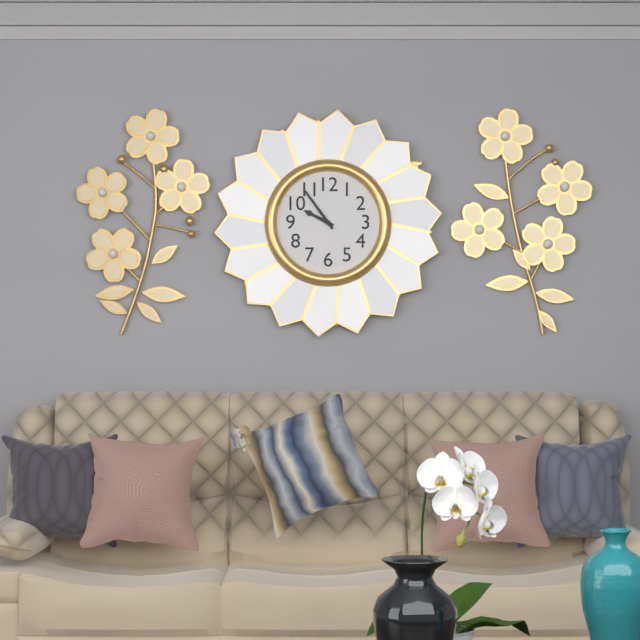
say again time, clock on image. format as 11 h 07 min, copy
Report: 9 h 54 min
